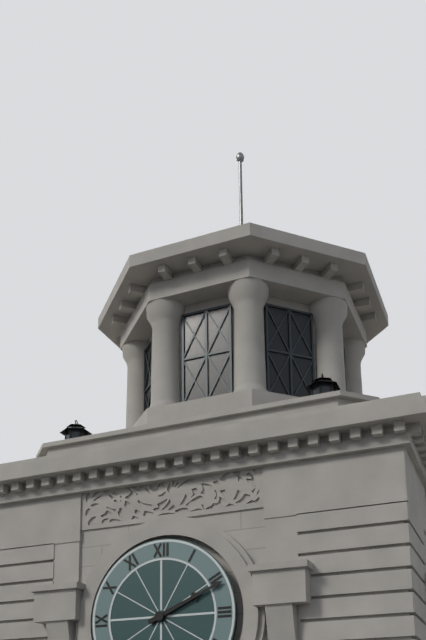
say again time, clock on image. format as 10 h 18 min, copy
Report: 2 h 11 min
